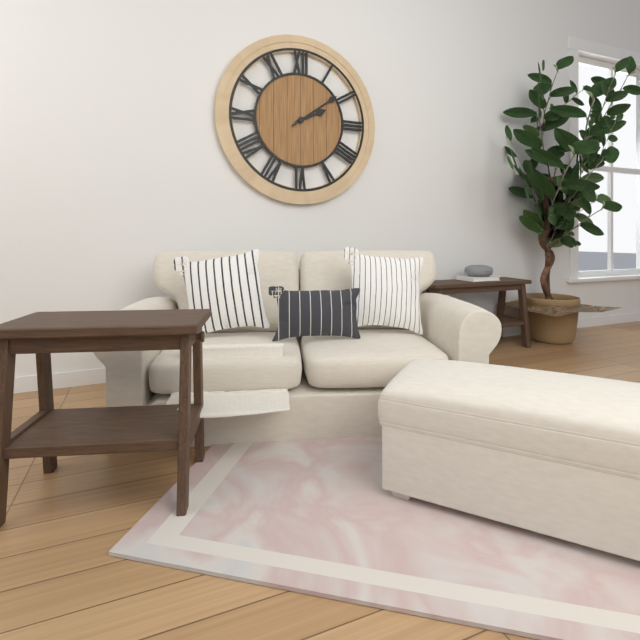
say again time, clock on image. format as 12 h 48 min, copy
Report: 2 h 09 min
